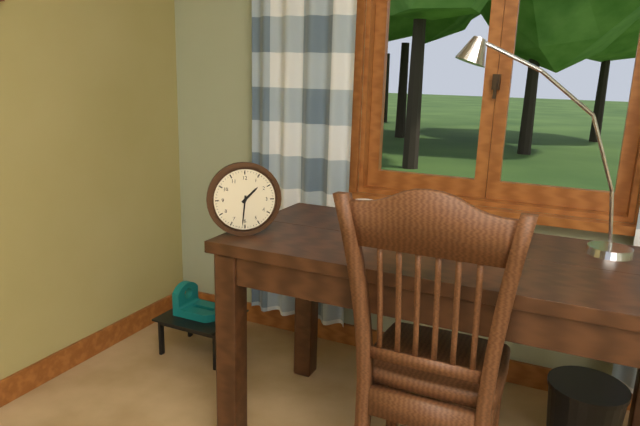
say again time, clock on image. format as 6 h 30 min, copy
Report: 1 h 31 min
